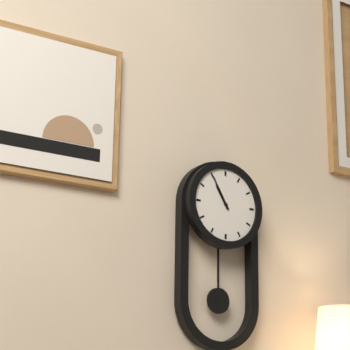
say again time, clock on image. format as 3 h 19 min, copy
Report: 10 h 55 min
